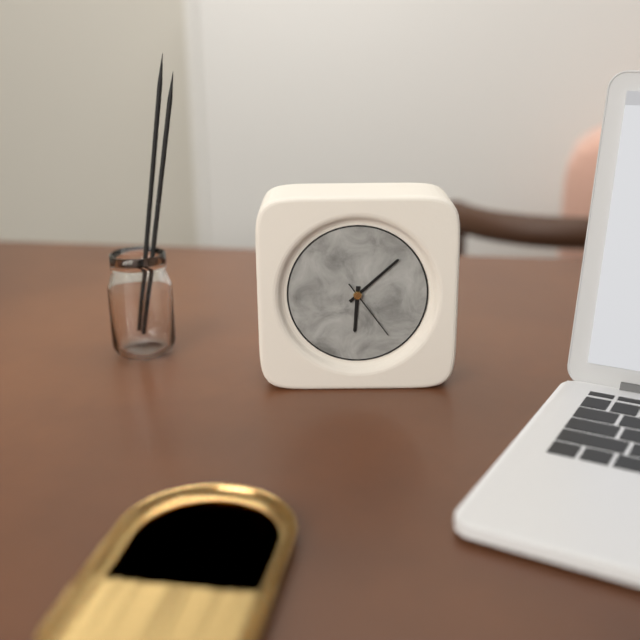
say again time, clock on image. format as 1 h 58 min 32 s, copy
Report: 6 h 08 min 24 s
